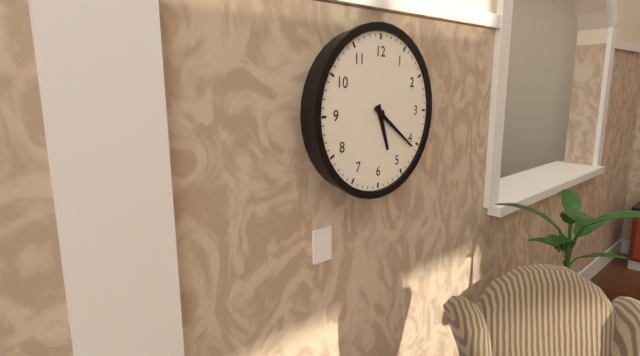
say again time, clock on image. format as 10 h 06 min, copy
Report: 5 h 21 min
